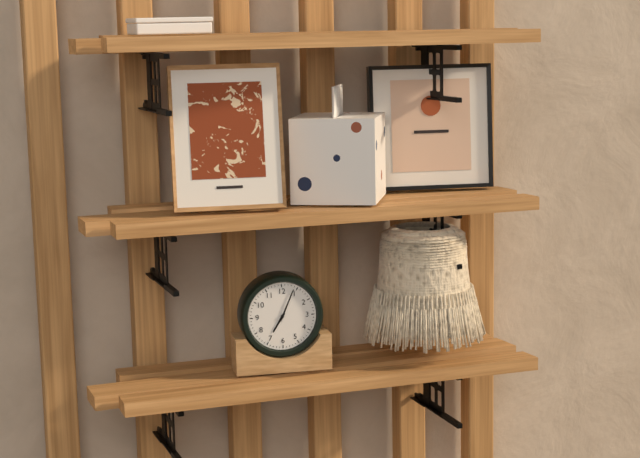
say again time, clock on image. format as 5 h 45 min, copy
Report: 7 h 04 min
